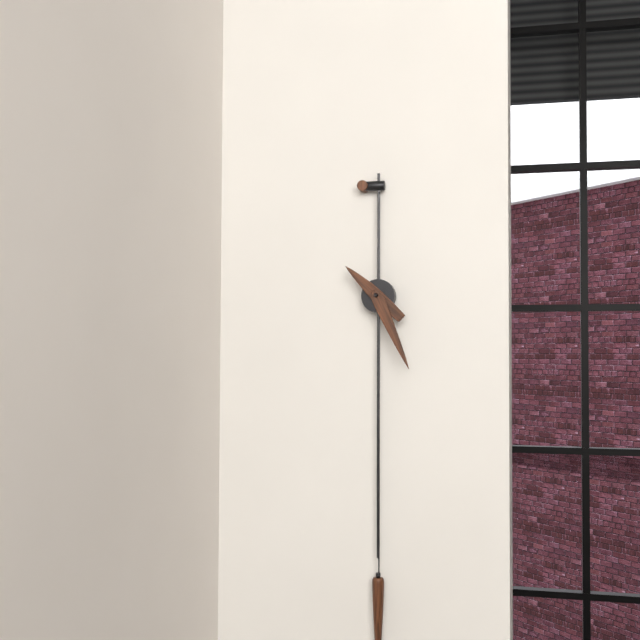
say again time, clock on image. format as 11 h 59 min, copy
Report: 10 h 26 min
